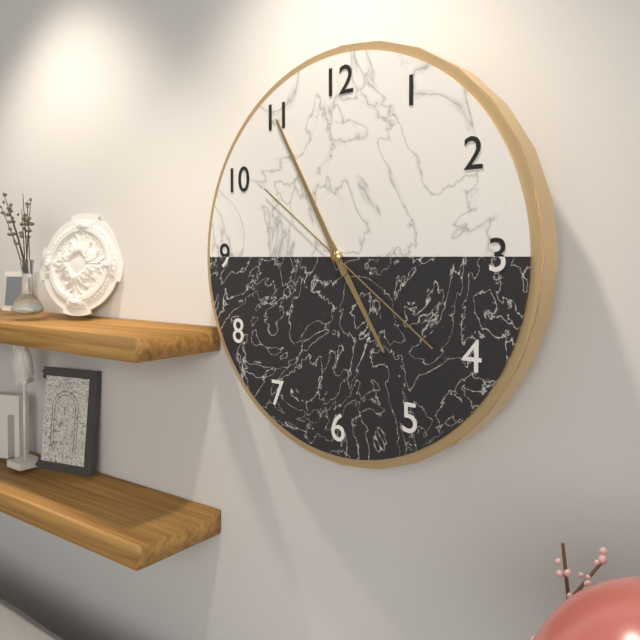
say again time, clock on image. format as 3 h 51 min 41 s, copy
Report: 4 h 55 min 21 s
